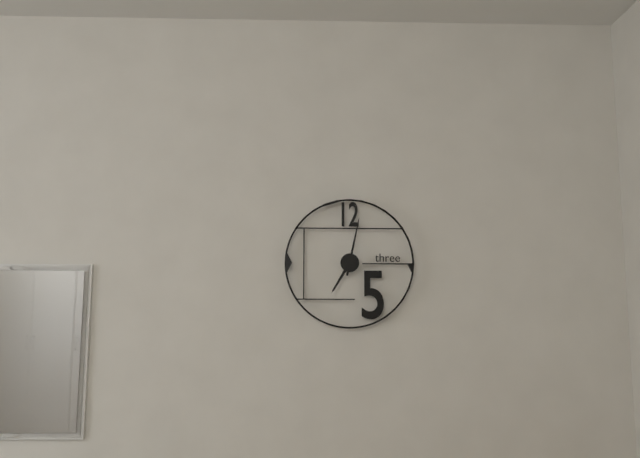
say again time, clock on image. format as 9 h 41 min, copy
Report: 7 h 02 min
